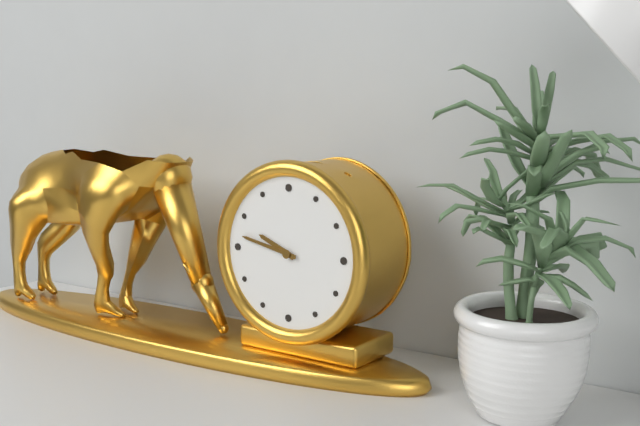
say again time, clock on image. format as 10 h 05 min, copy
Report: 9 h 47 min
